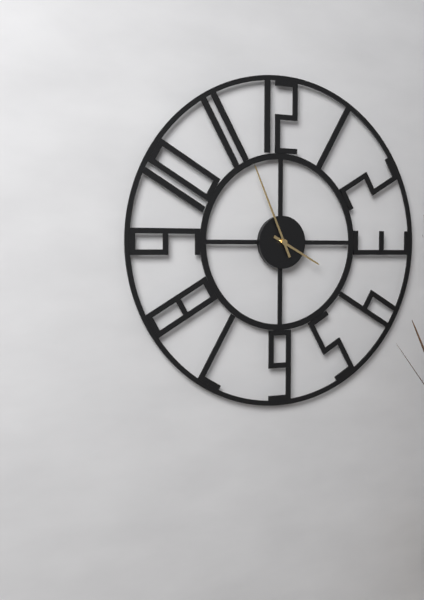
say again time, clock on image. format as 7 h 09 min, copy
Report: 3 h 56 min
